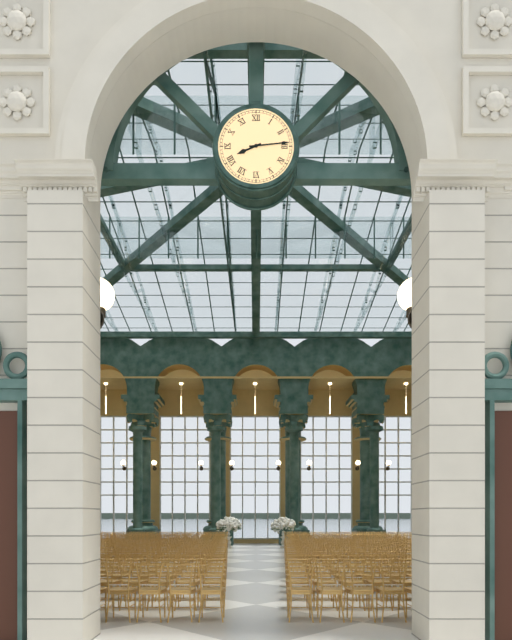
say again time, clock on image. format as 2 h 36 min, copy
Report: 8 h 14 min
